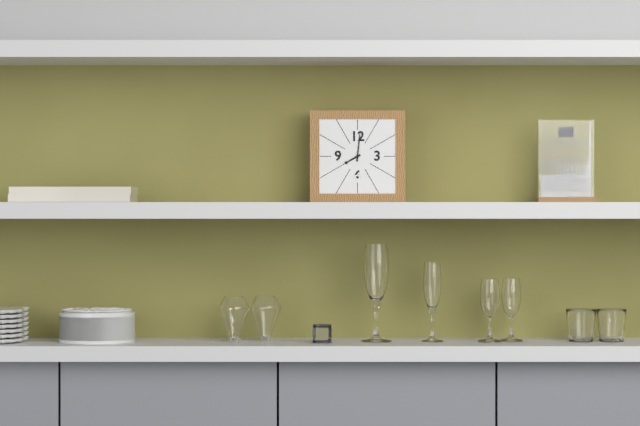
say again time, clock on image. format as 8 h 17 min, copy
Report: 8 h 01 min
